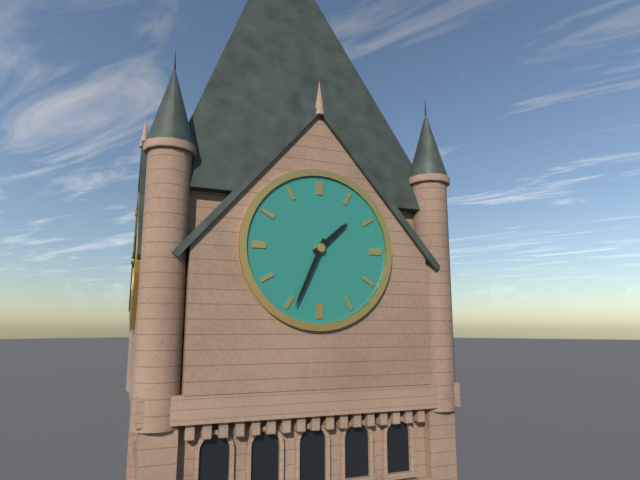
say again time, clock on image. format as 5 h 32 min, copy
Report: 1 h 34 min
